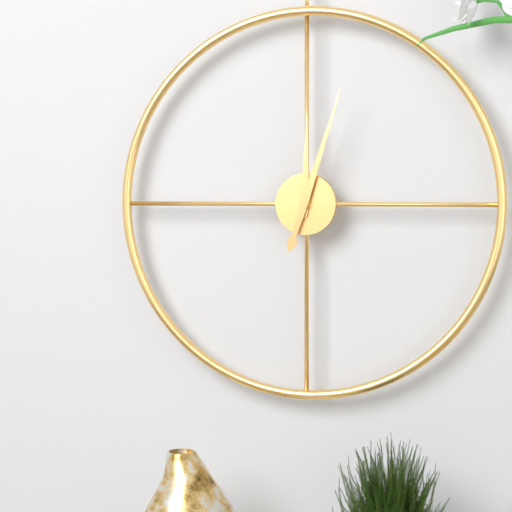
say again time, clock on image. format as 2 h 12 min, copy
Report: 12 h 03 min
